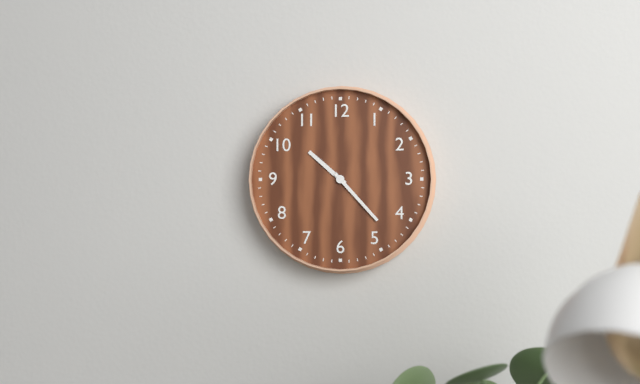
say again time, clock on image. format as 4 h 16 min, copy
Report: 10 h 23 min
